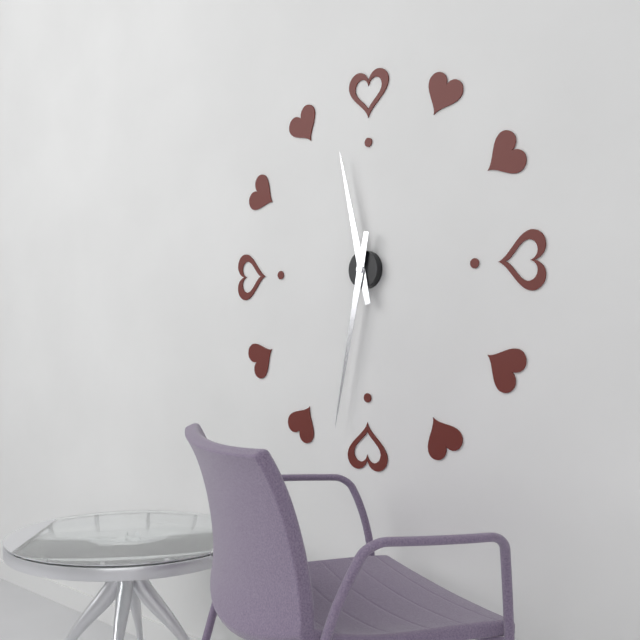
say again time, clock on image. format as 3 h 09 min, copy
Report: 11 h 32 min
